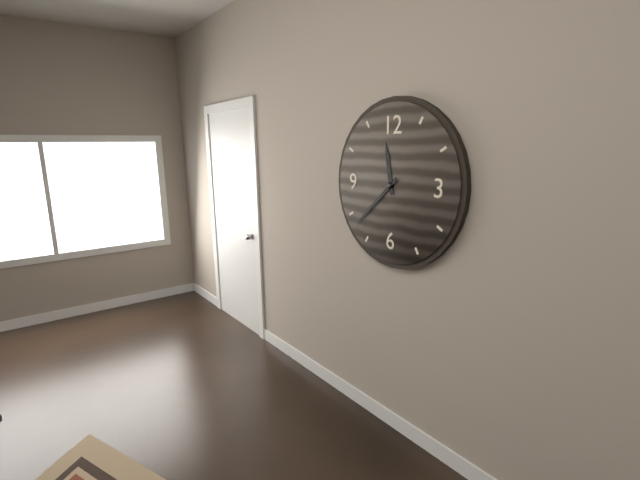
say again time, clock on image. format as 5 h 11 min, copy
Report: 11 h 38 min
